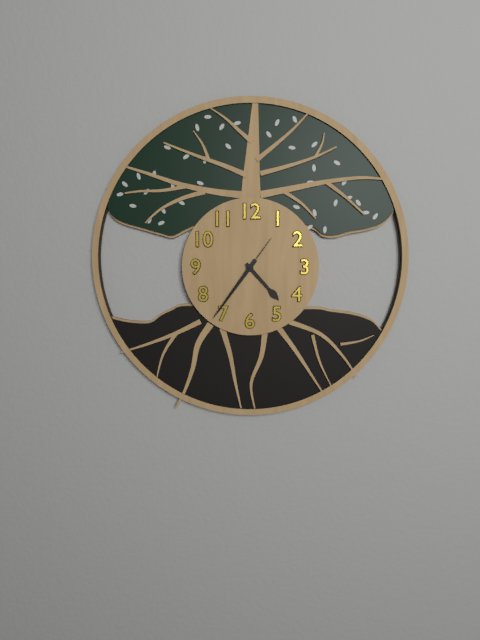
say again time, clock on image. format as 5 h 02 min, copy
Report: 4 h 36 min
